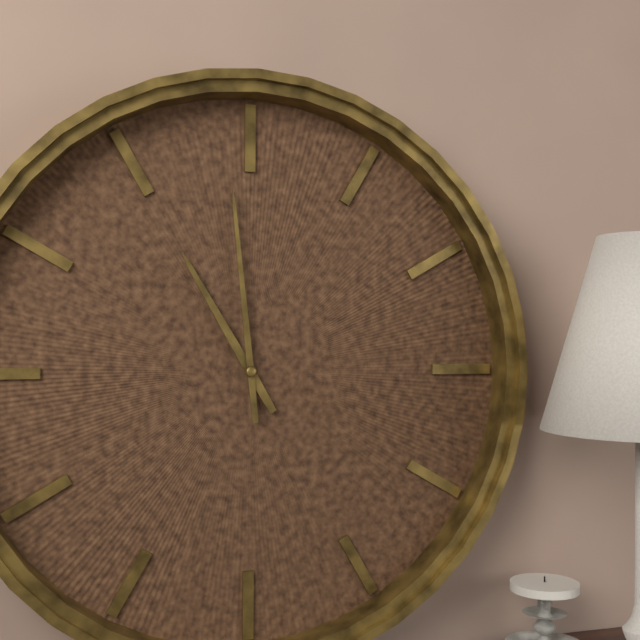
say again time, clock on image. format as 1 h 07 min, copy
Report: 10 h 59 min
